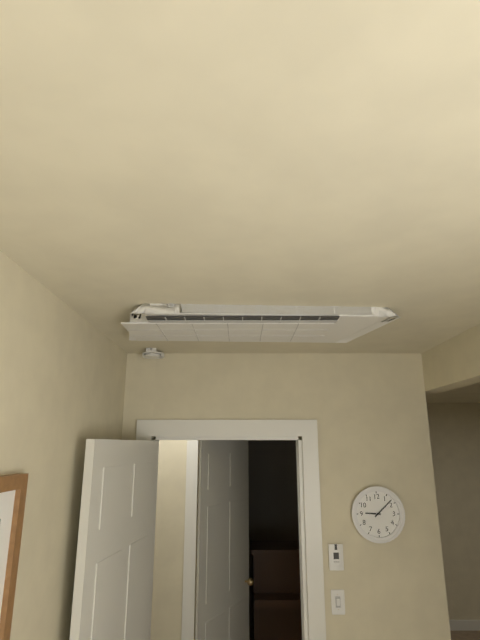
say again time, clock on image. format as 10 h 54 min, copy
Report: 9 h 08 min
